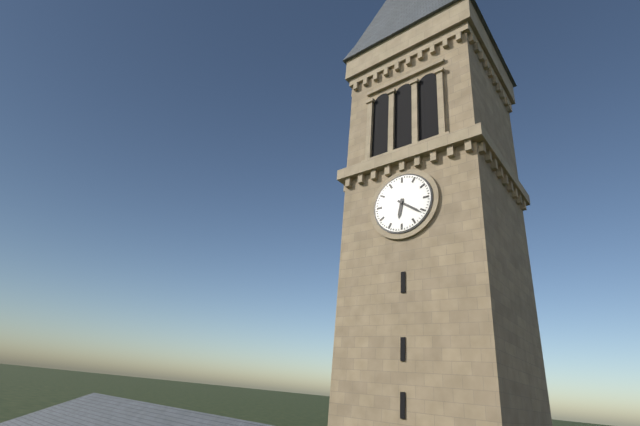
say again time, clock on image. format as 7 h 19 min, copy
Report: 6 h 21 min
